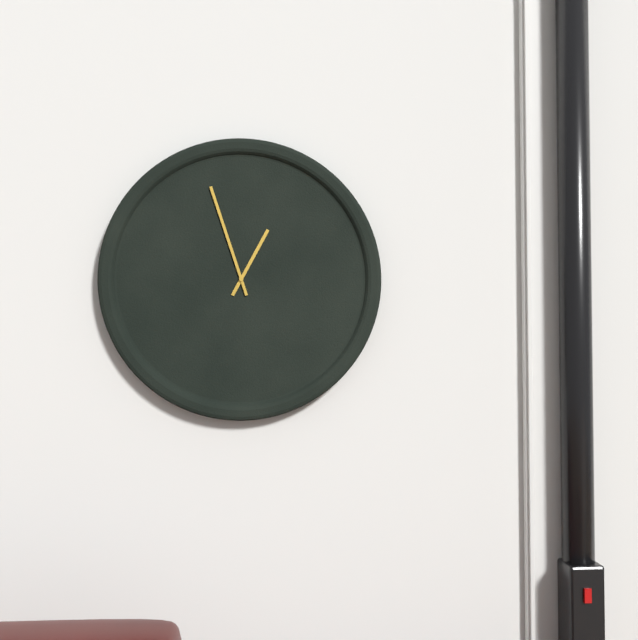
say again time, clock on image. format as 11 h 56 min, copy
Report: 12 h 57 min
